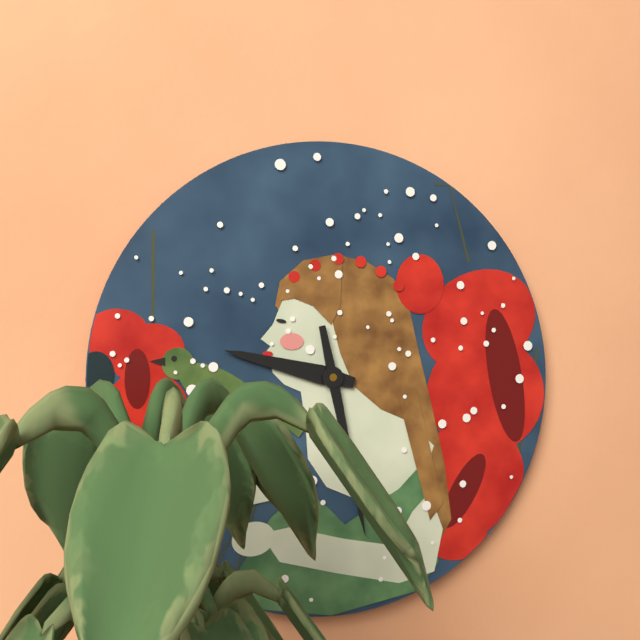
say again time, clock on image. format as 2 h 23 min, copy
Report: 9 h 28 min
